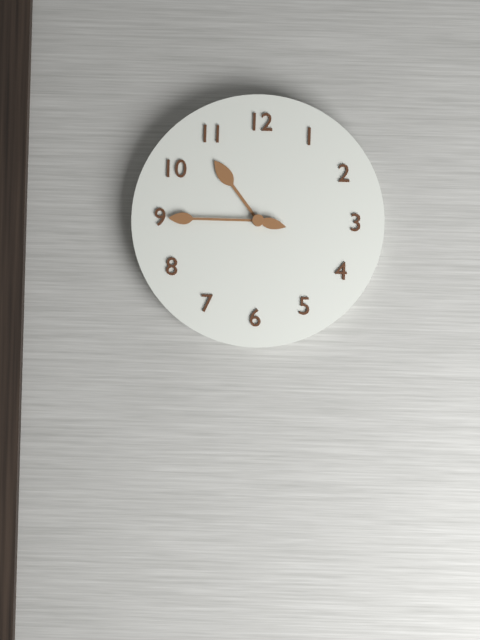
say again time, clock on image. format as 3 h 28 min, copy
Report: 10 h 45 min
